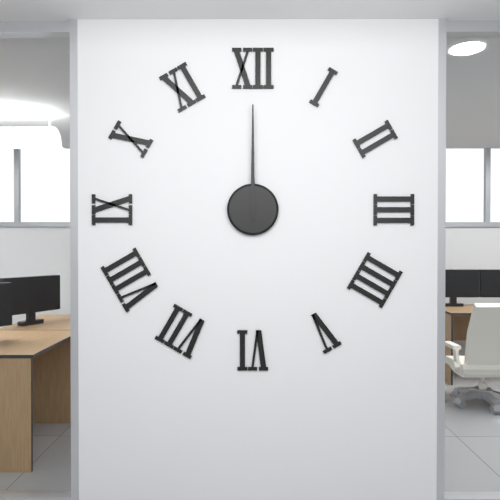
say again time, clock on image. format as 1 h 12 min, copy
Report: 12 h 00 min
